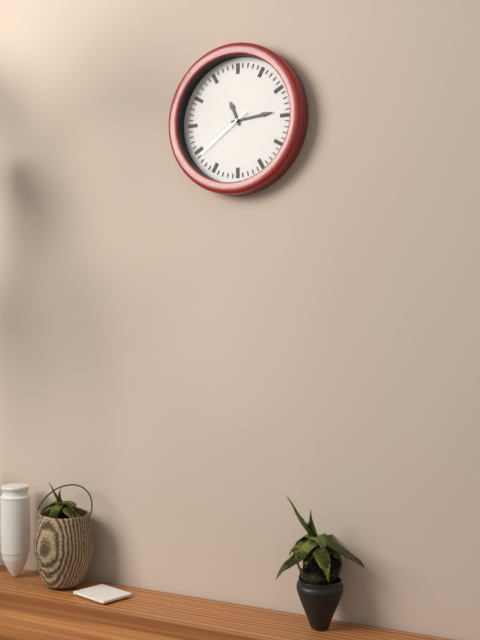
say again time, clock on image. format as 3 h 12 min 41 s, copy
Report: 11 h 14 min 39 s
